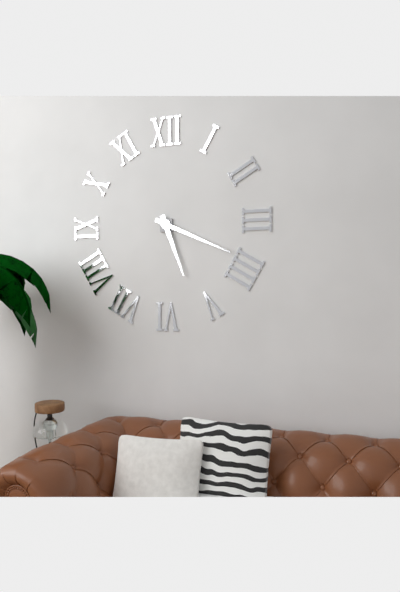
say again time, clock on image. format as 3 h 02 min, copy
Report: 5 h 19 min
